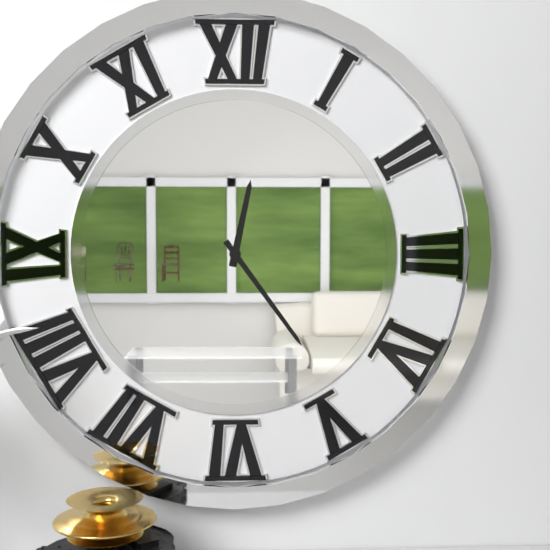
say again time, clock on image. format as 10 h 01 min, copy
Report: 12 h 24 min
